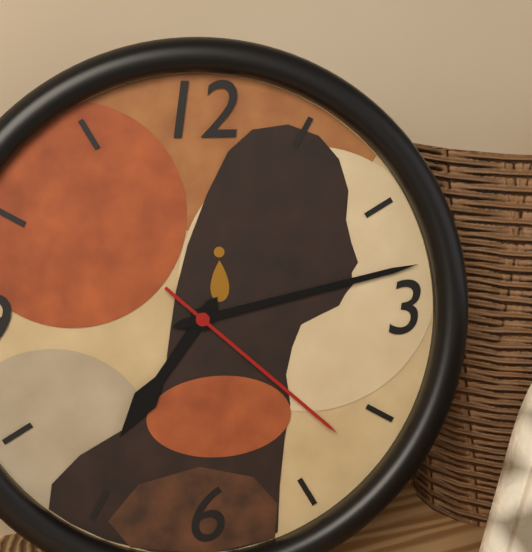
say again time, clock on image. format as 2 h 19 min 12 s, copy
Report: 7 h 13 min 22 s
